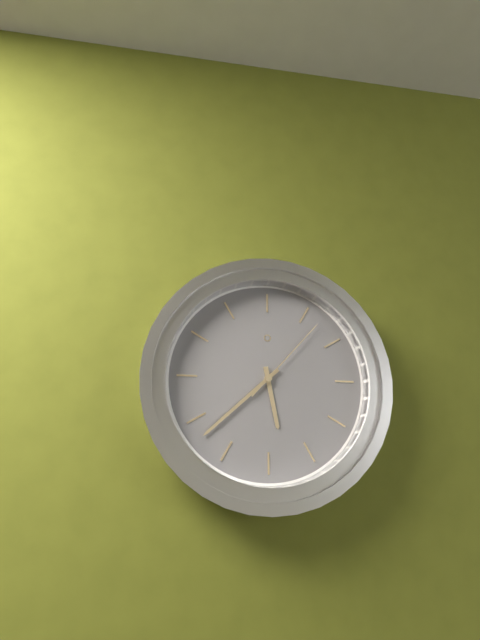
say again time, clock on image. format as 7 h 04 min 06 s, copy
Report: 5 h 38 min 07 s
